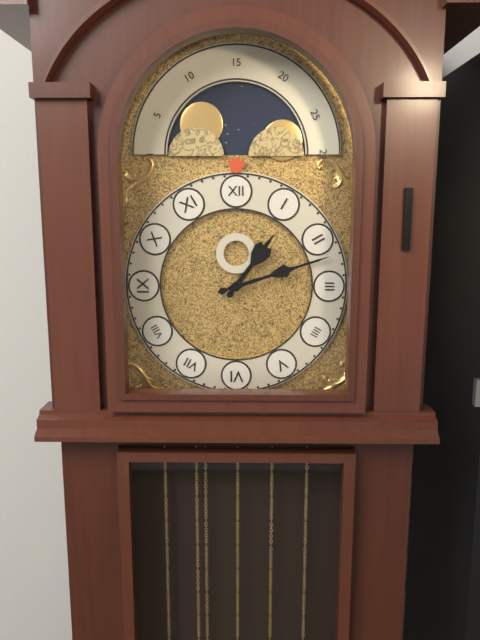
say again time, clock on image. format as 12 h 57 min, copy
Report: 1 h 12 min
